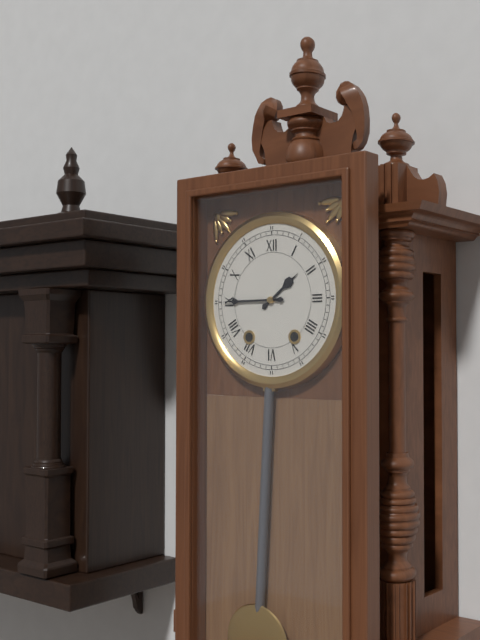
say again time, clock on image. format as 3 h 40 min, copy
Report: 1 h 45 min
